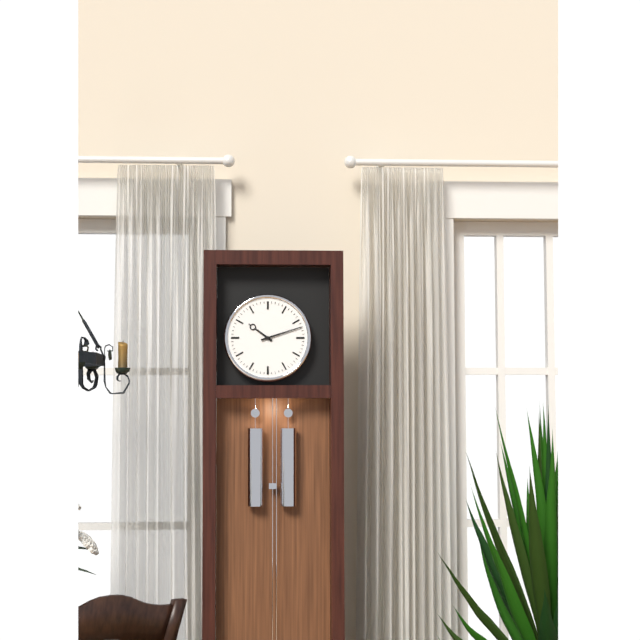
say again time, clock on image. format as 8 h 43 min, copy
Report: 10 h 12 min
